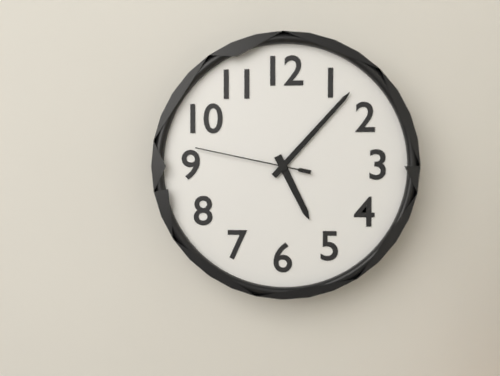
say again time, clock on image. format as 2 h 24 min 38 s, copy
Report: 5 h 07 min 47 s
